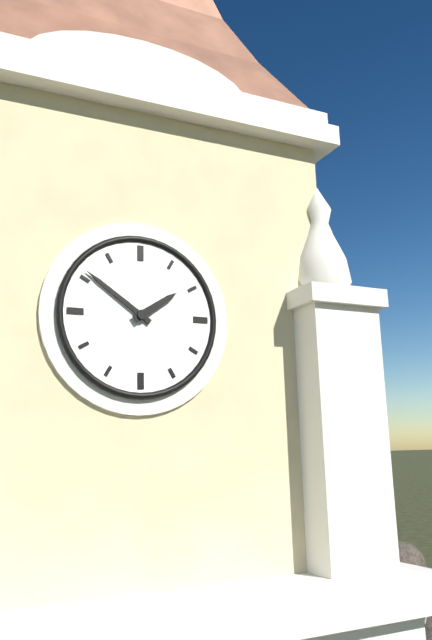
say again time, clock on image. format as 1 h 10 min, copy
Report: 1 h 51 min
